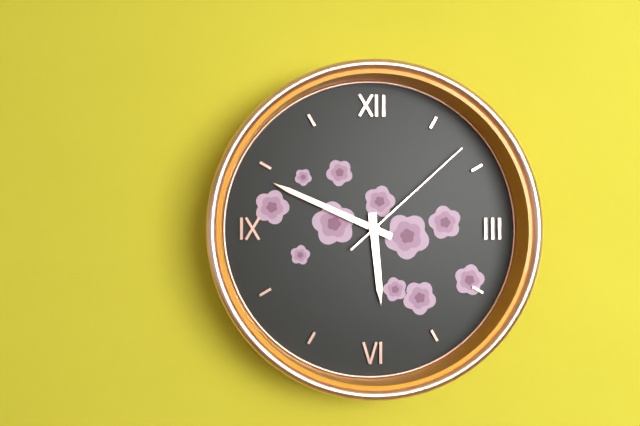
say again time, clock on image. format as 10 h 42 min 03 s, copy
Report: 5 h 49 min 08 s
